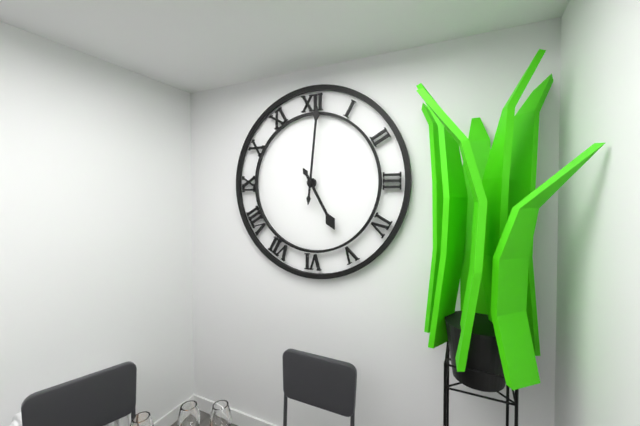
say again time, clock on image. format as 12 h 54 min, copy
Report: 5 h 01 min
